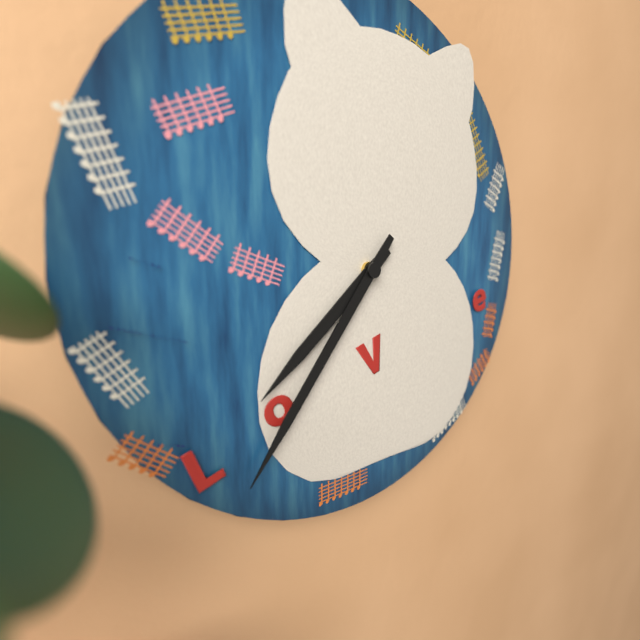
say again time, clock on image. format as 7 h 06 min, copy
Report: 7 h 36 min
